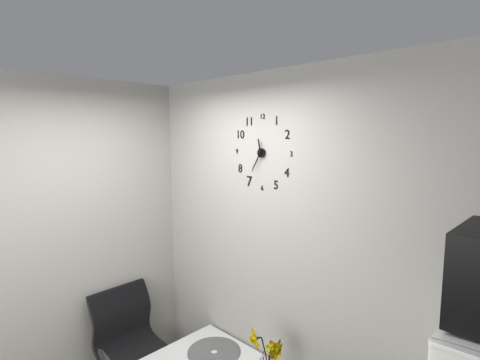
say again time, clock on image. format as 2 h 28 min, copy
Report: 11 h 35 min
